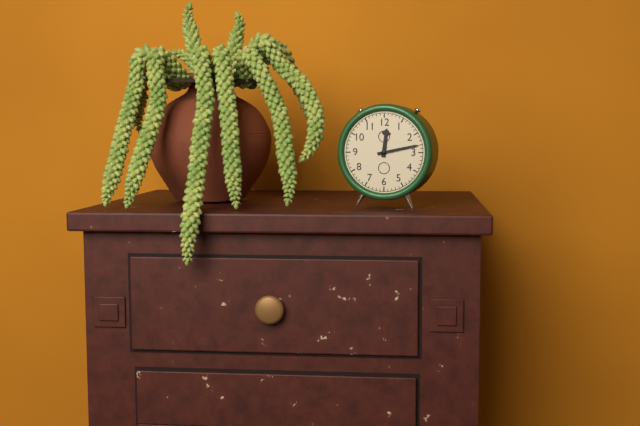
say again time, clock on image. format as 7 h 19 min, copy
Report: 12 h 13 min
